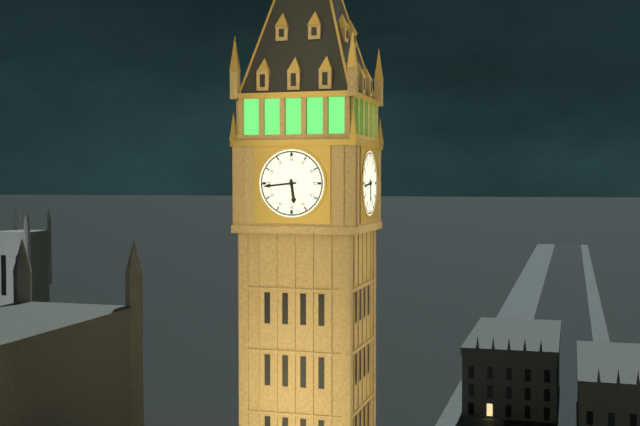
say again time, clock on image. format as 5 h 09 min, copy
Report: 5 h 44 min
